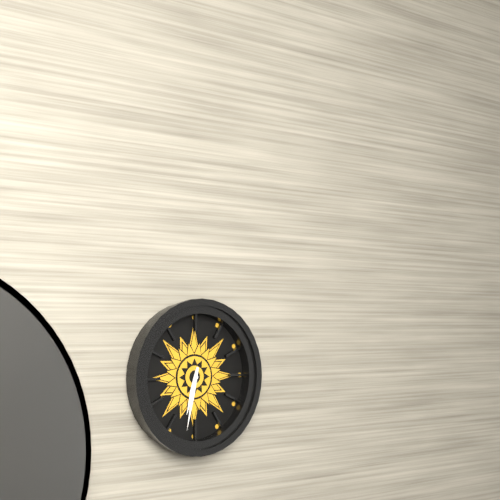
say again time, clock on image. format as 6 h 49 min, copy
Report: 6 h 32 min
